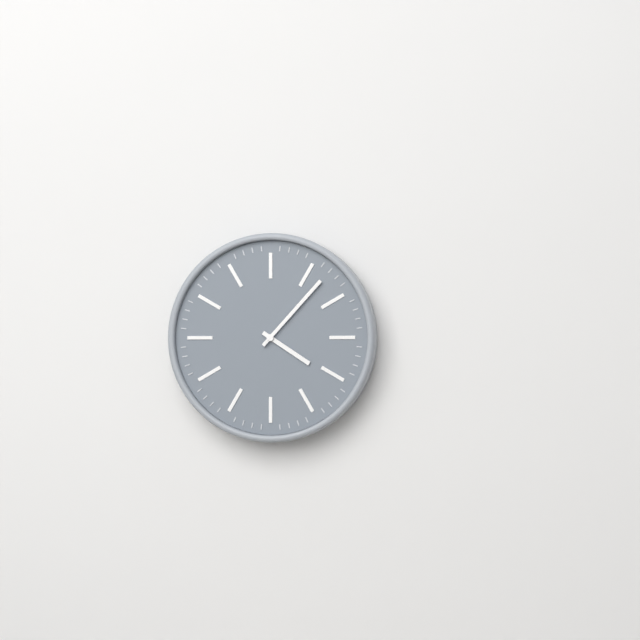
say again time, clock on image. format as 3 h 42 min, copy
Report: 4 h 07 min
